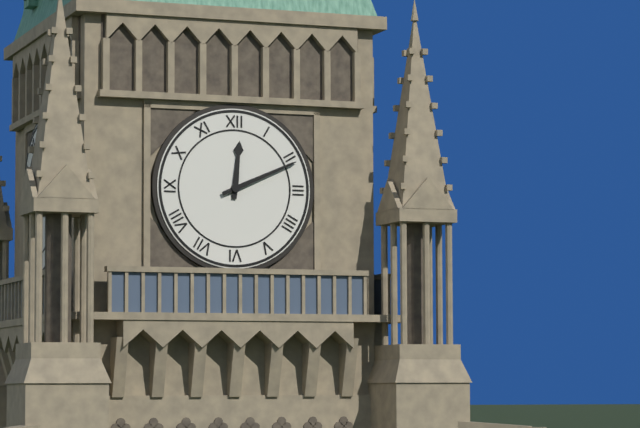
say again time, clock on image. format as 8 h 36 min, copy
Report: 12 h 11 min
